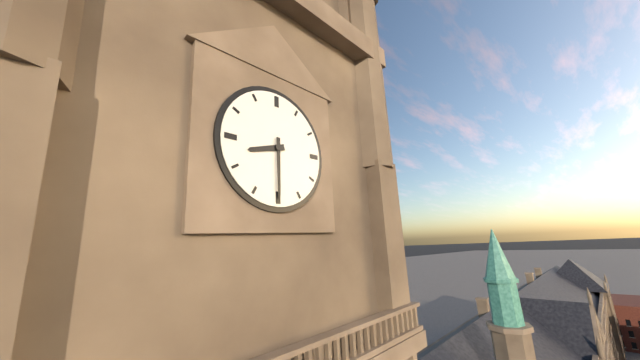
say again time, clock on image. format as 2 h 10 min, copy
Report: 8 h 30 min
